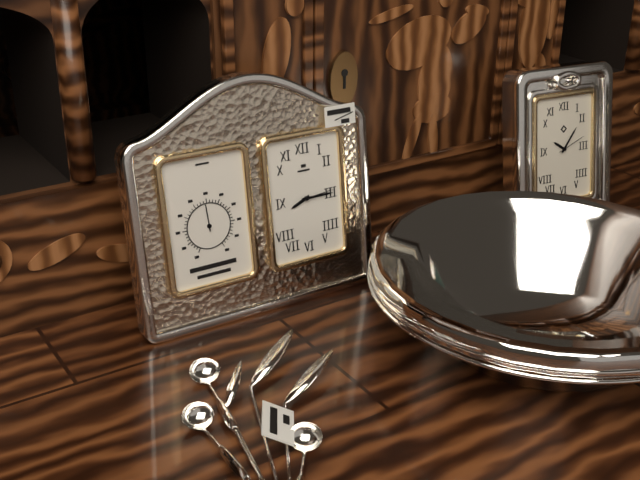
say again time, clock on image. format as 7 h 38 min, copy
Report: 8 h 15 min
